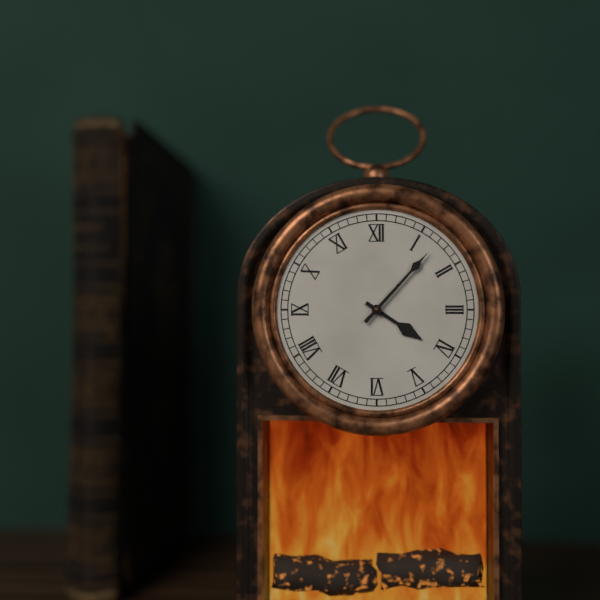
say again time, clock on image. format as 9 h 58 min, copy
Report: 4 h 07 min
